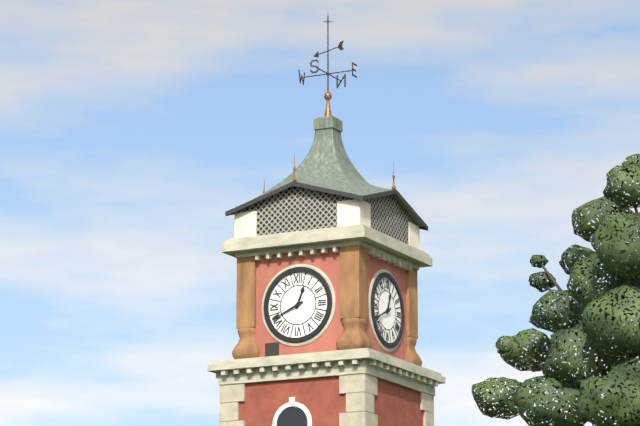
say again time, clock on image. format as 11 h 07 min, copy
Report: 12 h 41 min
